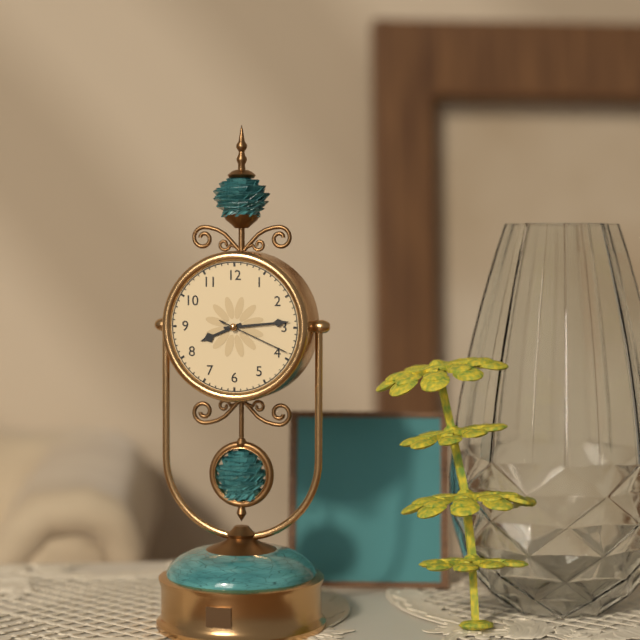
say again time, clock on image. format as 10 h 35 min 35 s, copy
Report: 8 h 14 min 19 s
